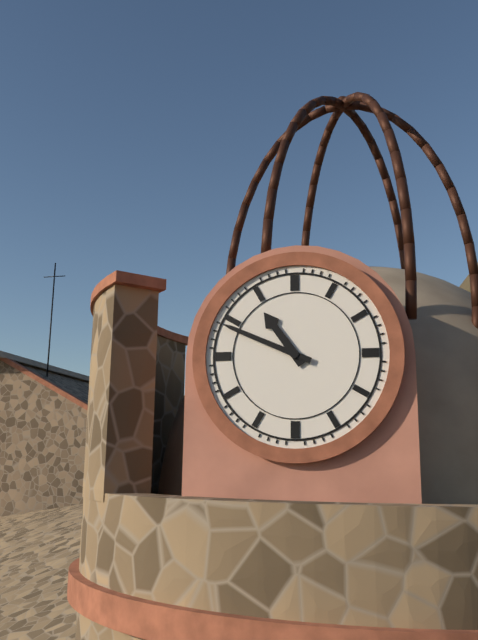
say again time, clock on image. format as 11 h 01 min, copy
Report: 10 h 49 min
